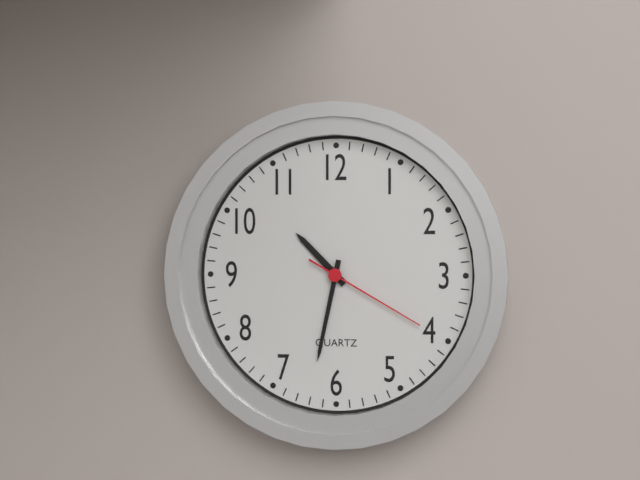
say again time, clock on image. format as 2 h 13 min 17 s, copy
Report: 10 h 32 min 20 s
